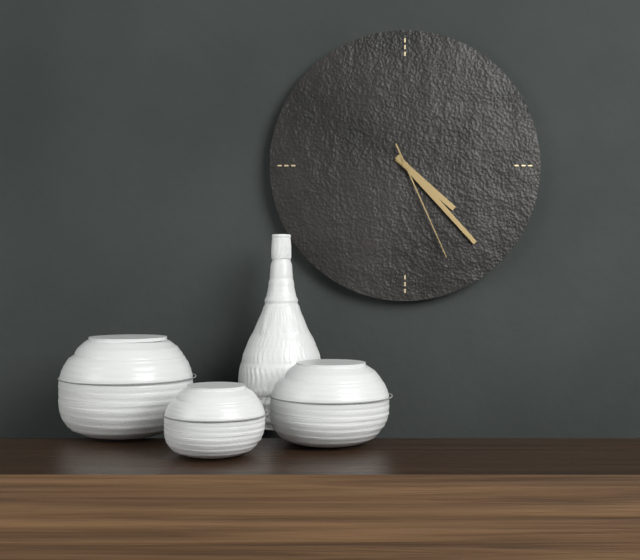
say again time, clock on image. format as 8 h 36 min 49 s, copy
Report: 4 h 23 min 26 s
